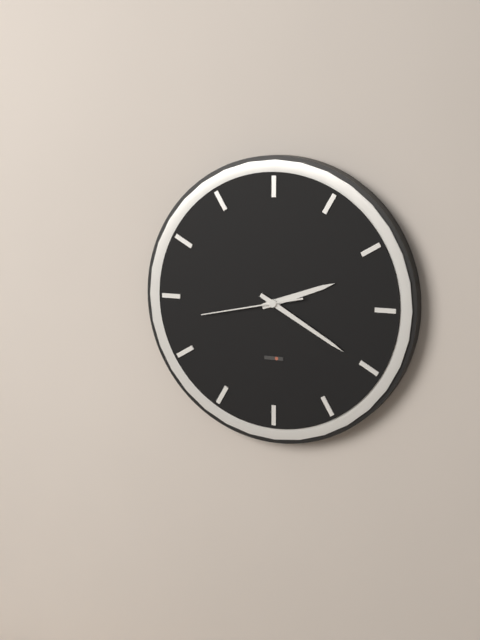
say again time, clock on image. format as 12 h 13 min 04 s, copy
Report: 2 h 20 min 43 s
